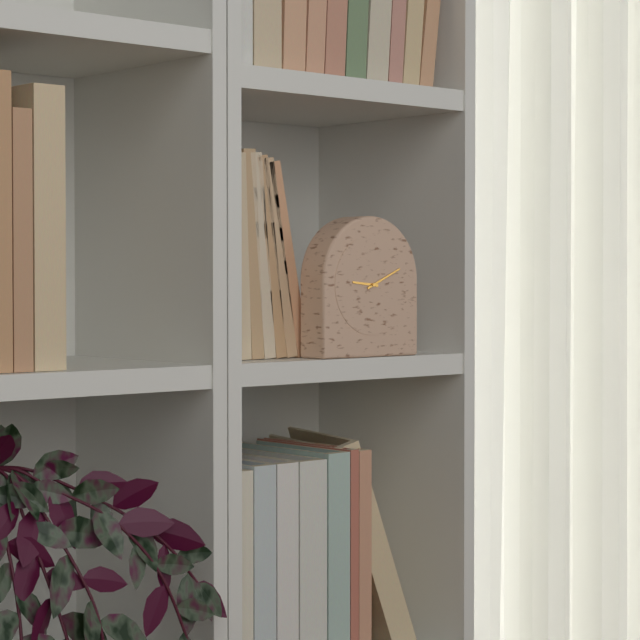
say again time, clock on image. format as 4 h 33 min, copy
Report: 9 h 11 min
